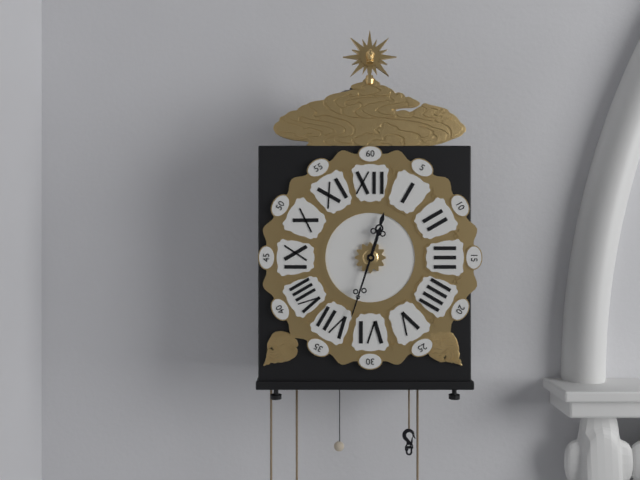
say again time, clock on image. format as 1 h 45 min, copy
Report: 12 h 33 min
